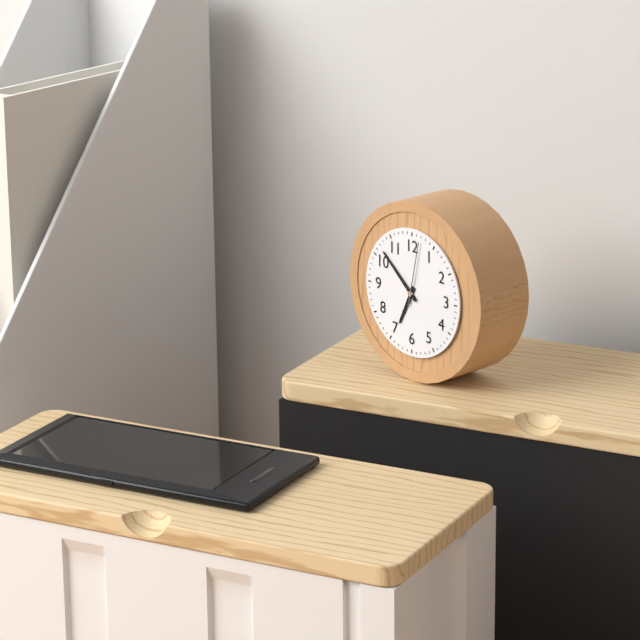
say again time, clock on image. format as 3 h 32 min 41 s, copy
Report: 6 h 52 min 02 s
